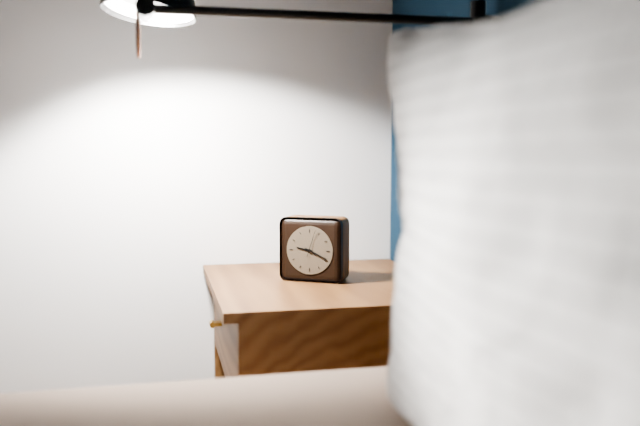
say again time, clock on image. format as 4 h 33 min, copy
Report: 9 h 19 min
